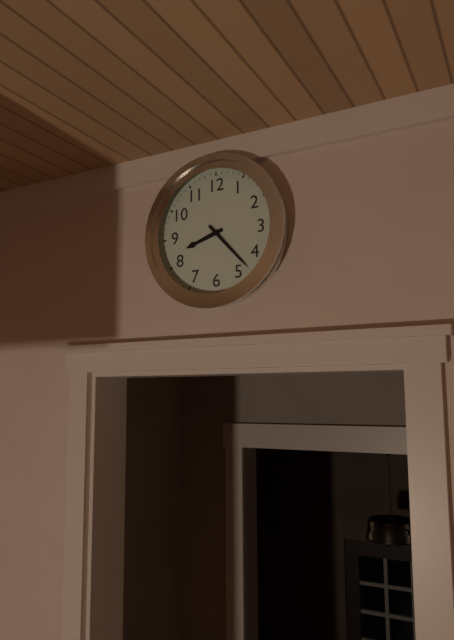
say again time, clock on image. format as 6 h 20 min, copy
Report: 8 h 23 min
